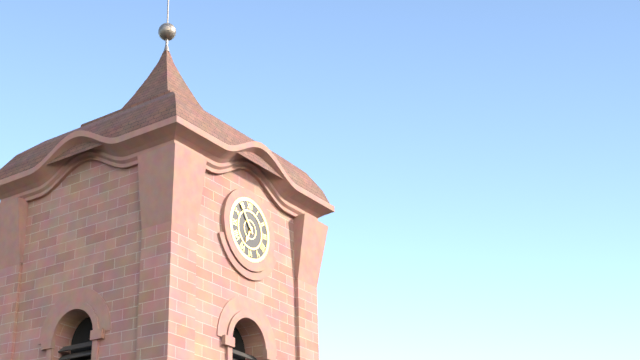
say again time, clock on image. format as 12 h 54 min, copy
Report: 6 h 54 min
